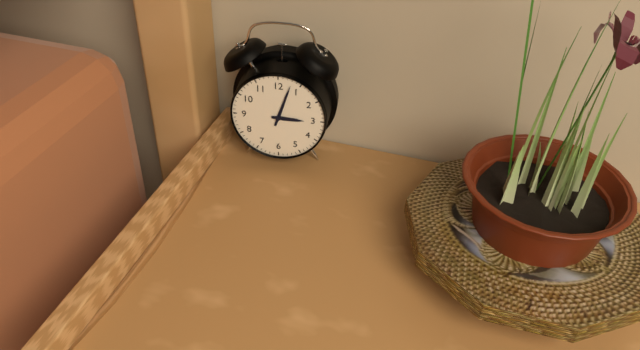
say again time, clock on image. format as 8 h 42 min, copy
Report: 3 h 03 min
